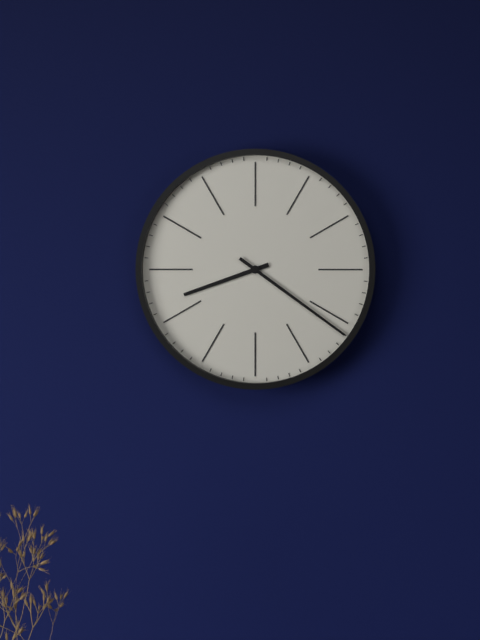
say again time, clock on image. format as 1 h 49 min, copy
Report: 8 h 21 min
